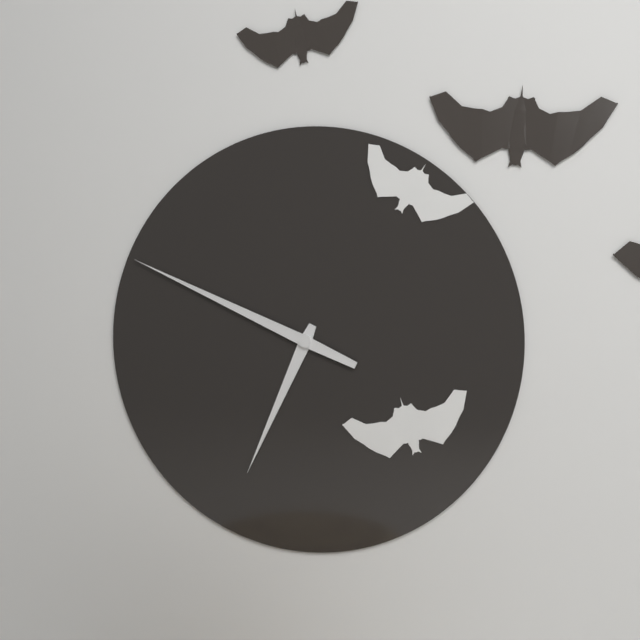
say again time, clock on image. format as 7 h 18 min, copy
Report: 6 h 49 min
